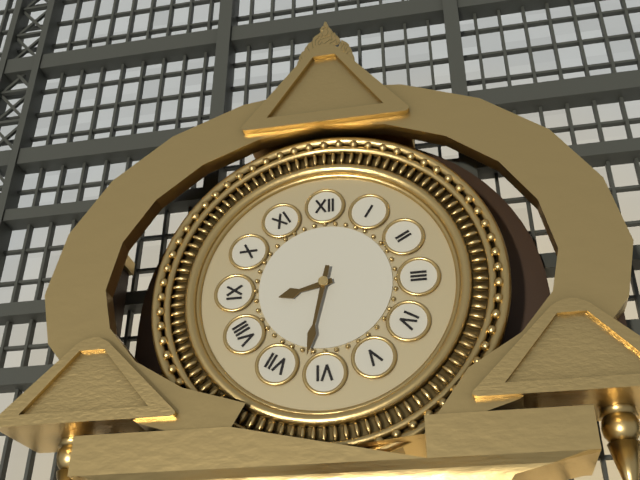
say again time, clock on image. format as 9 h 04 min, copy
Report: 8 h 32 min
